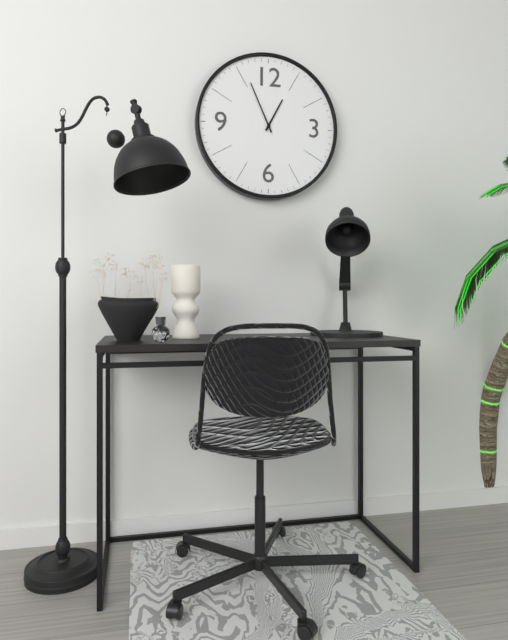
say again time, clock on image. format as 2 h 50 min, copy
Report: 12 h 56 min
